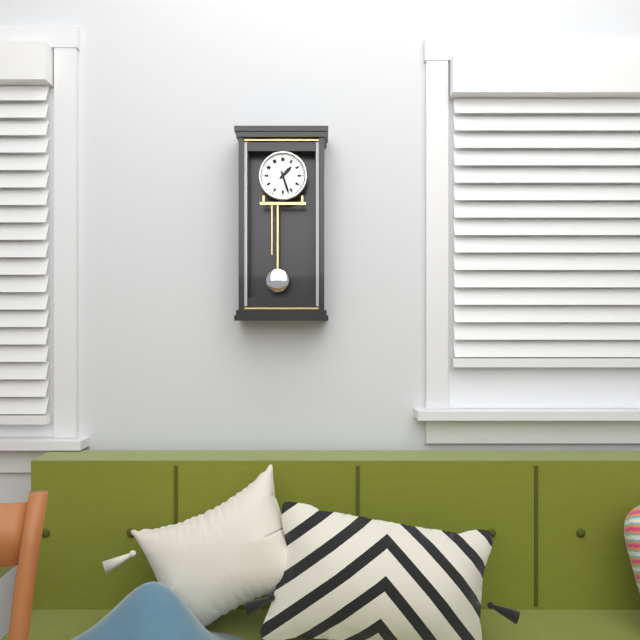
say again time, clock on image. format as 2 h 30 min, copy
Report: 1 h 27 min
